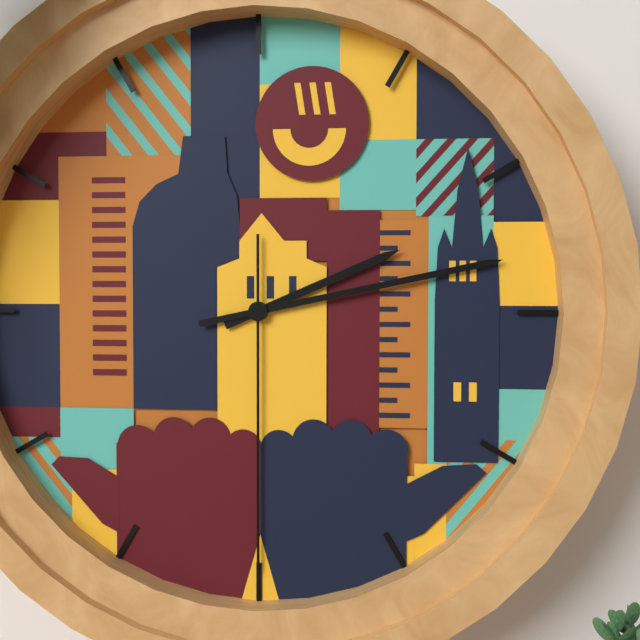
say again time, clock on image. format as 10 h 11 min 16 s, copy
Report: 2 h 13 min 30 s
